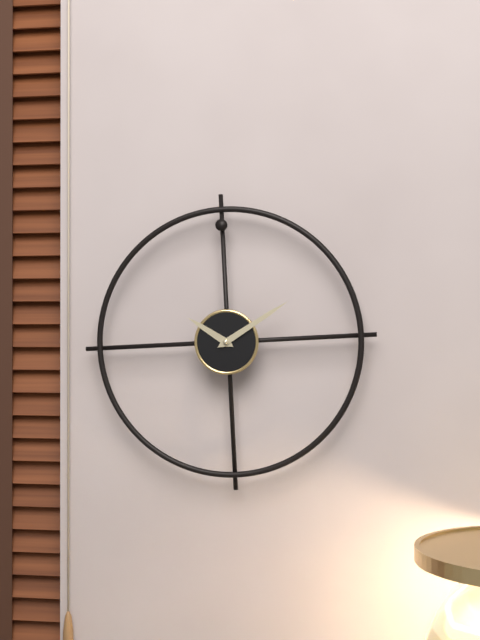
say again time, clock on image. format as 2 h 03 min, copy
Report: 10 h 10 min
